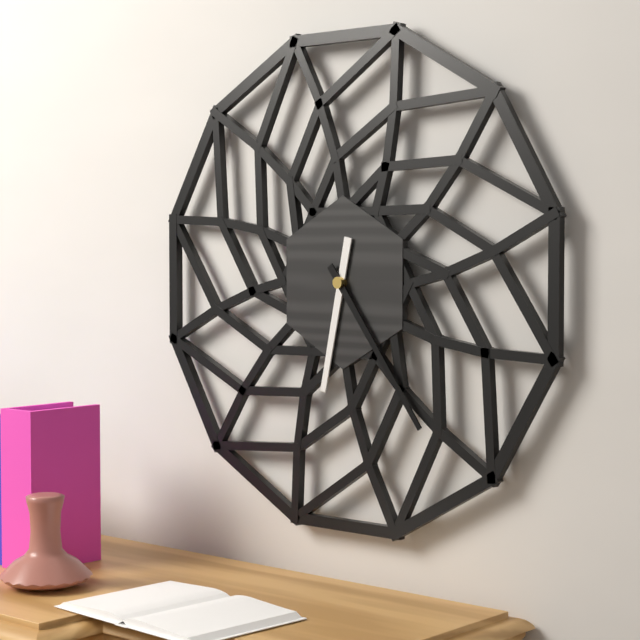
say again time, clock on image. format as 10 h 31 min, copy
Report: 6 h 24 min
